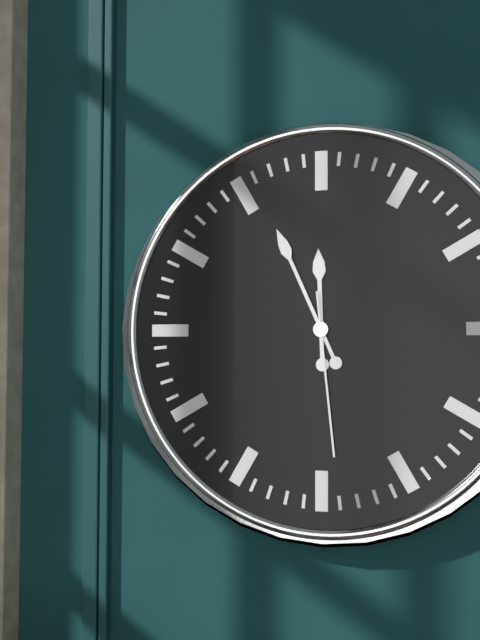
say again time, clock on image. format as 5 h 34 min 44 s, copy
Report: 11 h 56 min 29 s
